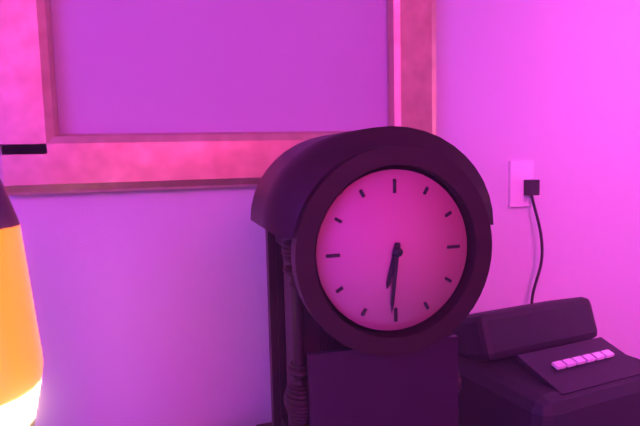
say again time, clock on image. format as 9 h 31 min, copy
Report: 6 h 31 min
